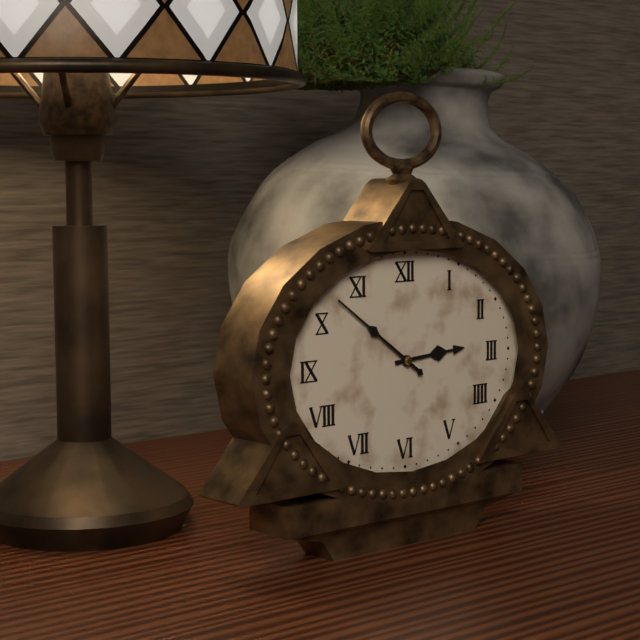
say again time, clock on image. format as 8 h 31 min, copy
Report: 2 h 51 min
